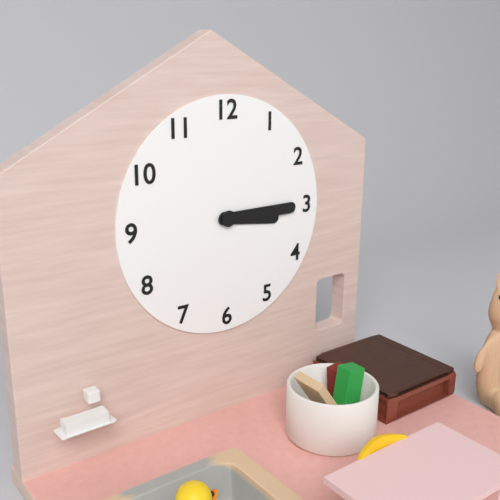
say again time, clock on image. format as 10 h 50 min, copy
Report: 3 h 15 min
